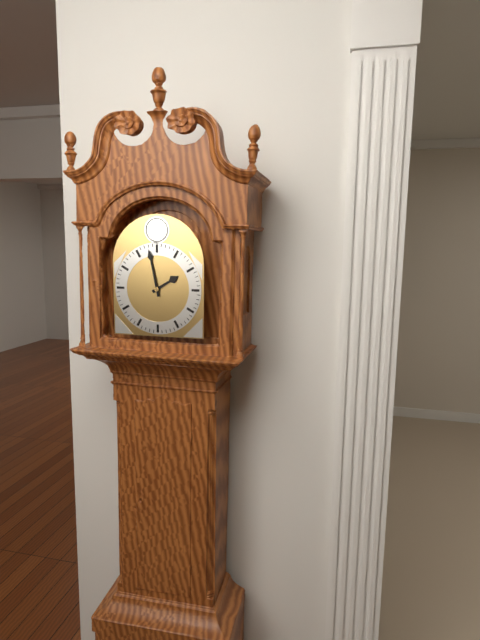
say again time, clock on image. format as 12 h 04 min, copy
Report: 1 h 58 min
